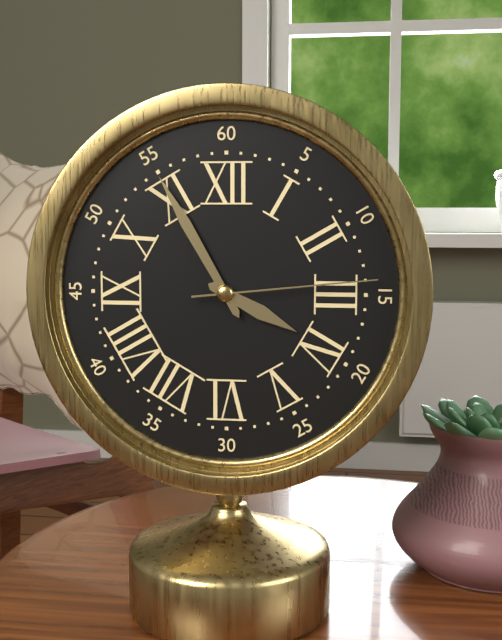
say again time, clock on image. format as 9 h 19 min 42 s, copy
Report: 3 h 55 min 14 s
